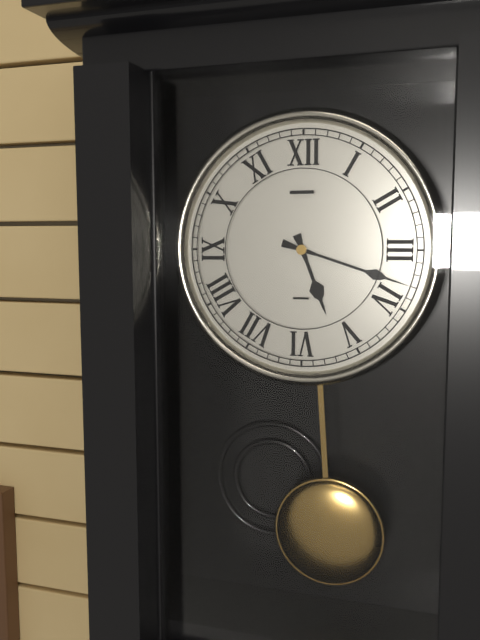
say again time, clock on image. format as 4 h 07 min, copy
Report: 5 h 18 min
